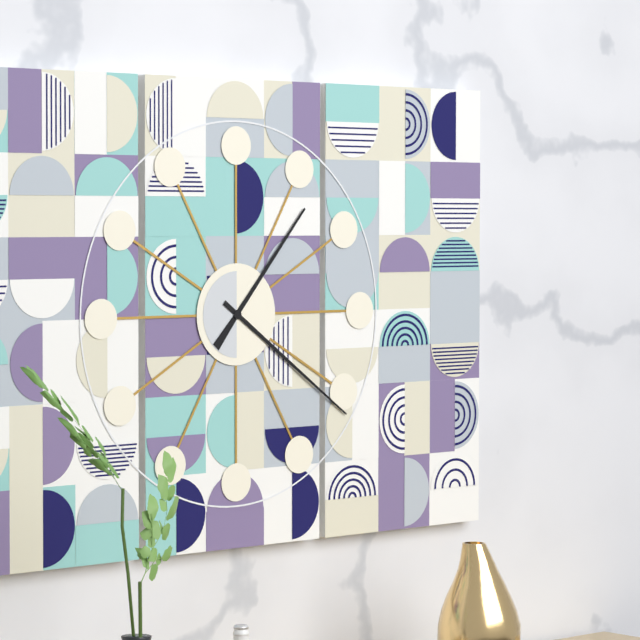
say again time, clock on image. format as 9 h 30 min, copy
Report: 1 h 21 min
